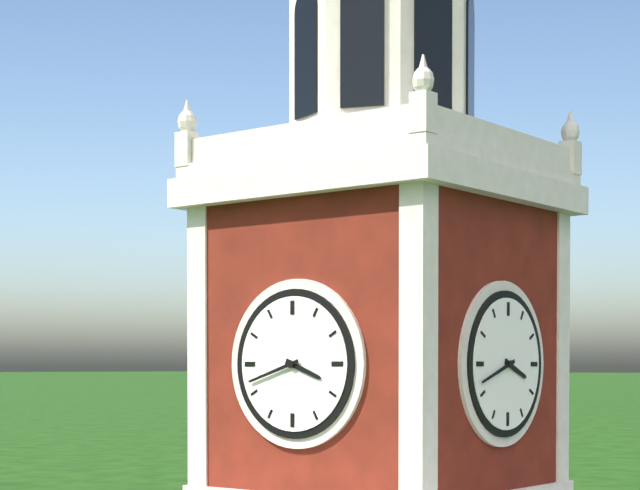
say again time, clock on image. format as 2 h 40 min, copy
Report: 3 h 42 min
